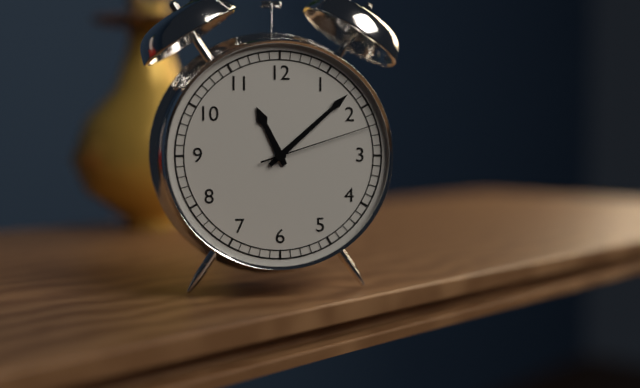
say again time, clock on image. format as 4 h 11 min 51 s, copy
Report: 11 h 08 min 12 s
